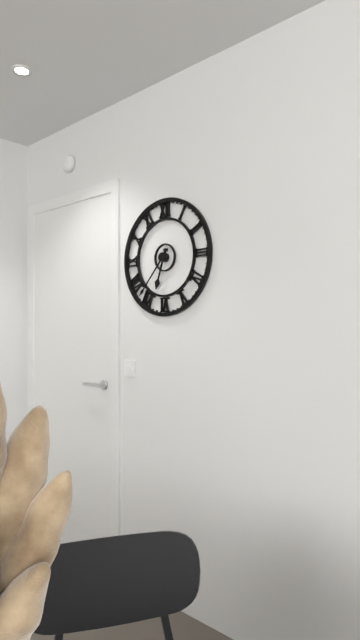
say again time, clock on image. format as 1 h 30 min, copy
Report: 6 h 37 min
